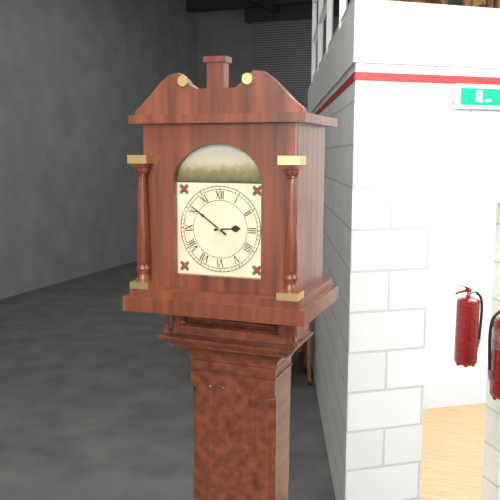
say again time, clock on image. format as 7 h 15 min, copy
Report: 2 h 51 min
